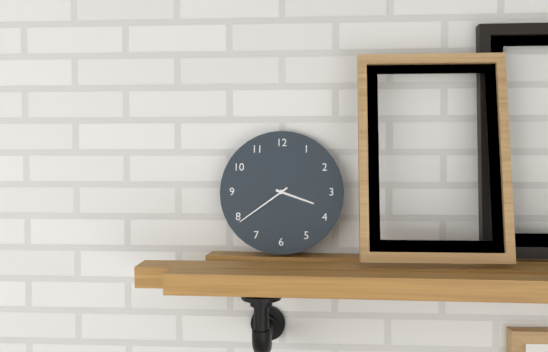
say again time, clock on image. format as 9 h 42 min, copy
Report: 3 h 39 min
